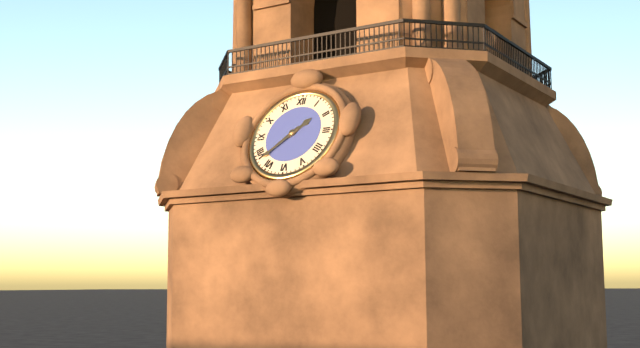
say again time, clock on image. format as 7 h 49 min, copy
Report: 1 h 38 min
